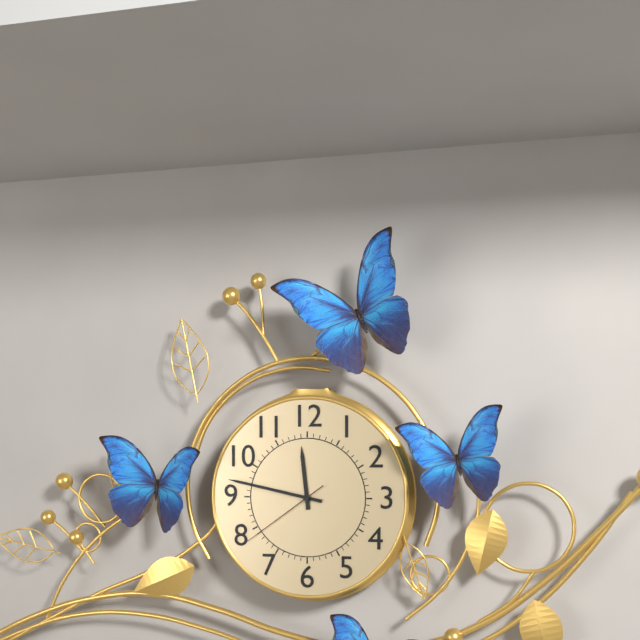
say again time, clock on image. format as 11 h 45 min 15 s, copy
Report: 11 h 47 min 39 s
